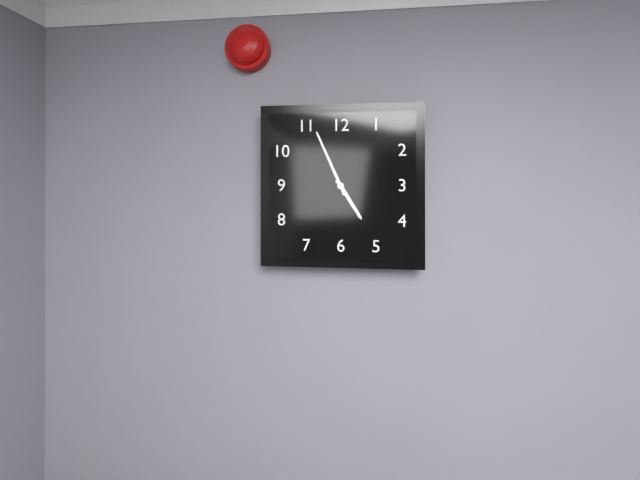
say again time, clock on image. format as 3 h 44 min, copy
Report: 4 h 56 min
